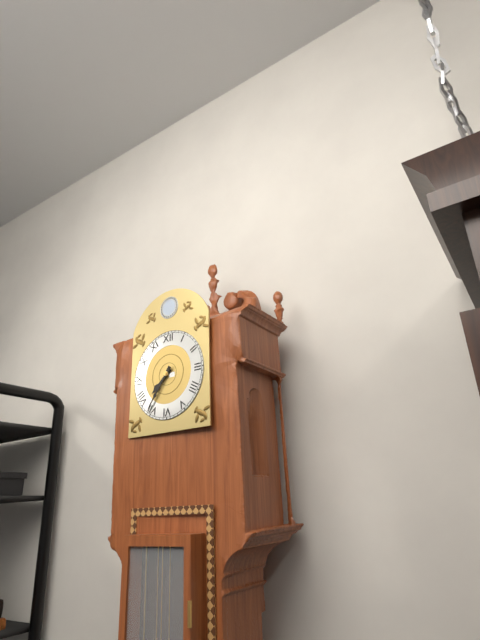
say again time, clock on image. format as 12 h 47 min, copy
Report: 7 h 36 min
